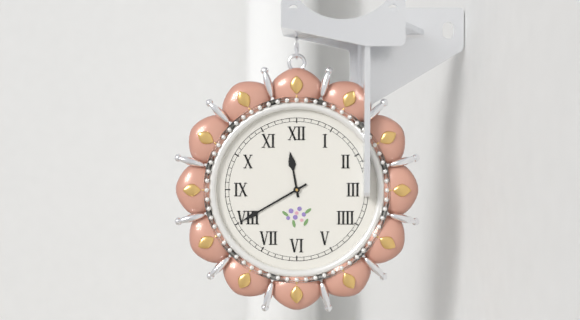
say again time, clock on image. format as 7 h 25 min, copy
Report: 11 h 40 min
